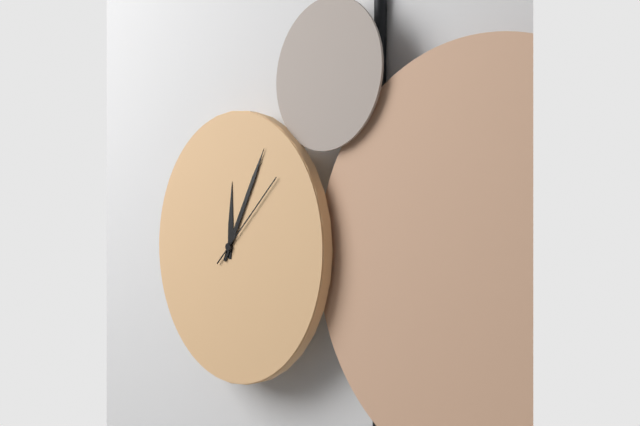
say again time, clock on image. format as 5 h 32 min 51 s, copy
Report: 12 h 05 min 08 s
